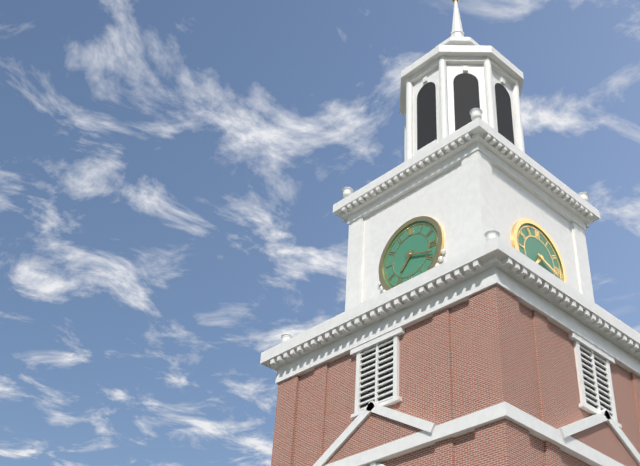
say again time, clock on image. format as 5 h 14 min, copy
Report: 7 h 18 min
